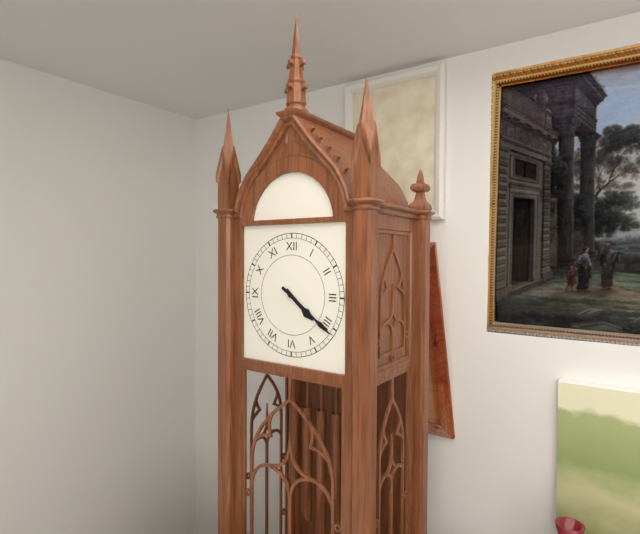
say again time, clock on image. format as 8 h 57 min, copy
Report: 4 h 21 min
